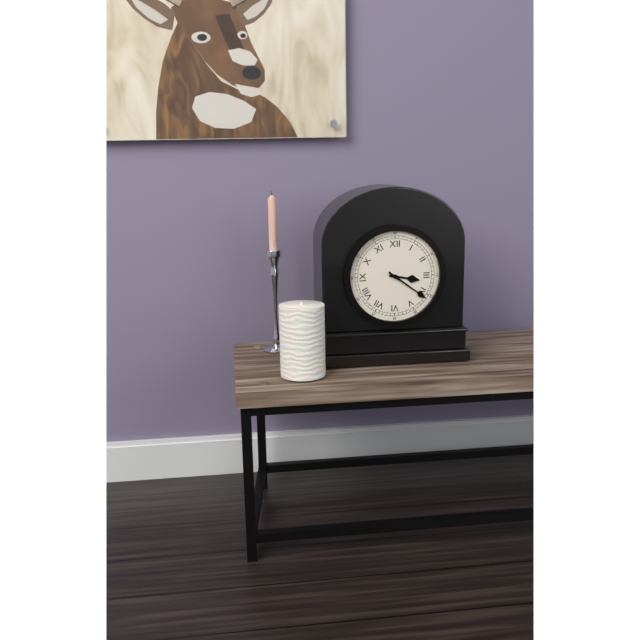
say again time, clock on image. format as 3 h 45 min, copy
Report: 3 h 21 min
